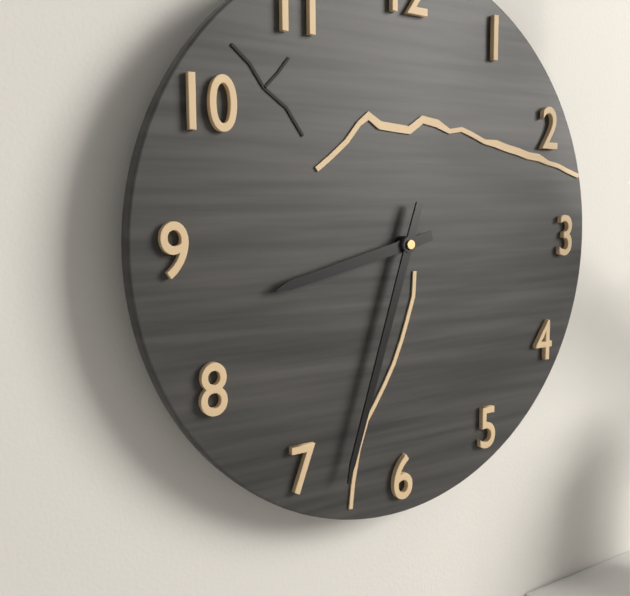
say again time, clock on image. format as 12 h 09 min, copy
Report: 8 h 33 min
